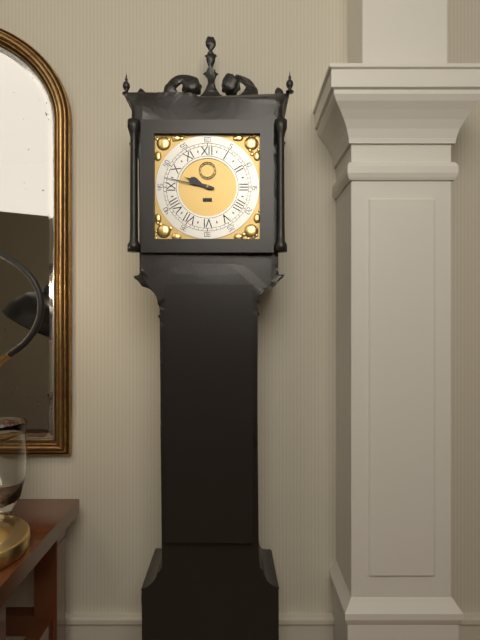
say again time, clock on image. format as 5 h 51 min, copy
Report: 9 h 47 min
